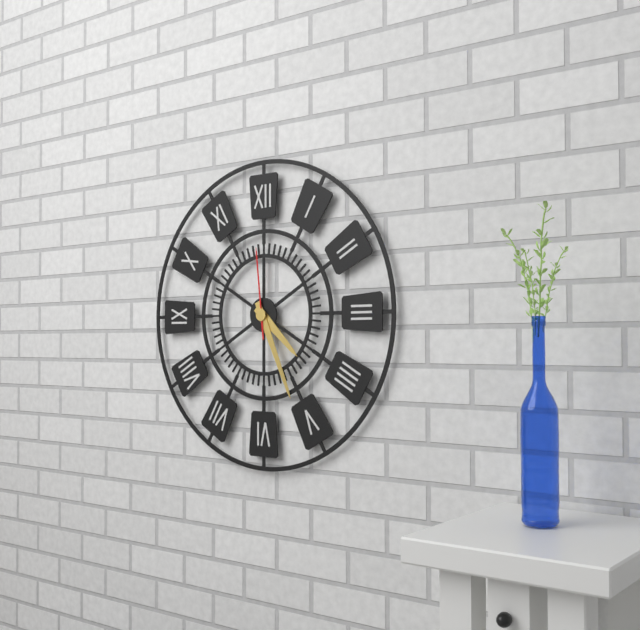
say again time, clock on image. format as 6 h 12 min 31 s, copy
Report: 4 h 26 min 59 s
